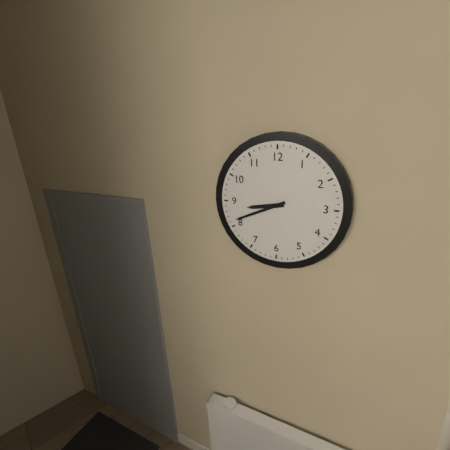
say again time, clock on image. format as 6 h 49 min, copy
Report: 8 h 41 min
